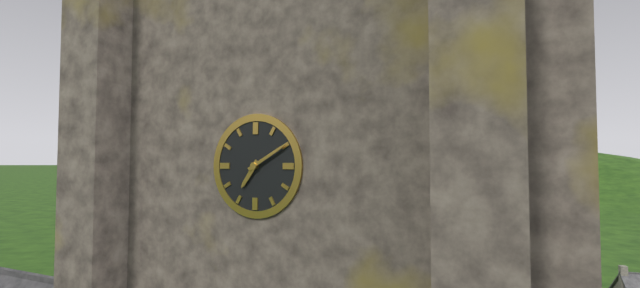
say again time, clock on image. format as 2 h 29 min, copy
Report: 7 h 10 min
